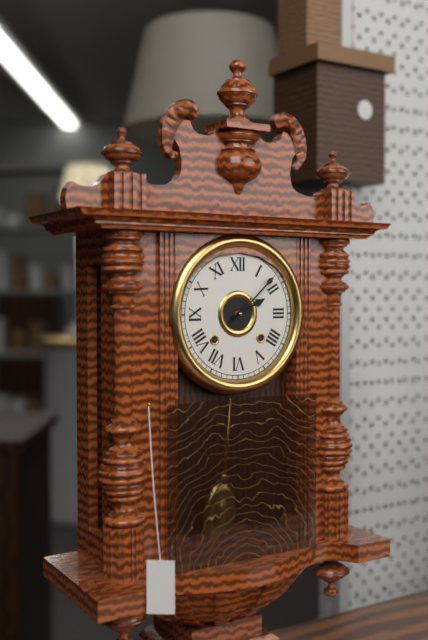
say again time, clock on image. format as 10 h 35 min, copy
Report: 2 h 08 min
